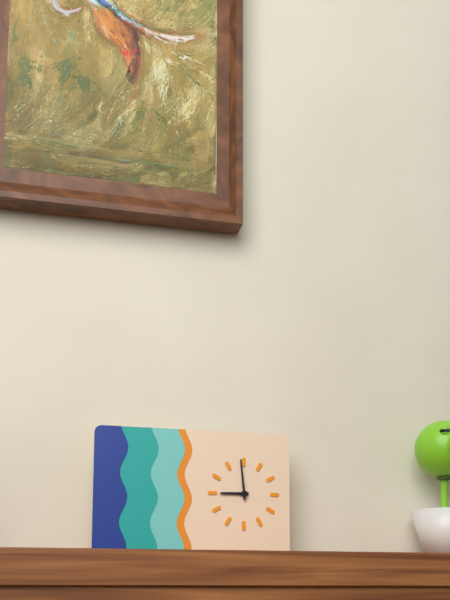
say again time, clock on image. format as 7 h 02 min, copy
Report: 8 h 59 min
